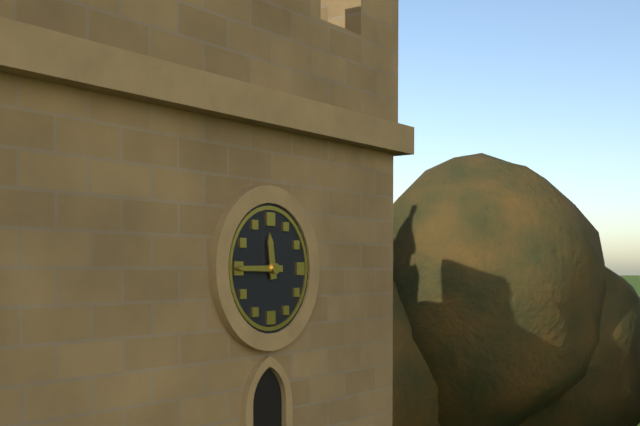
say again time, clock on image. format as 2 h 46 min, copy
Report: 11 h 45 min
